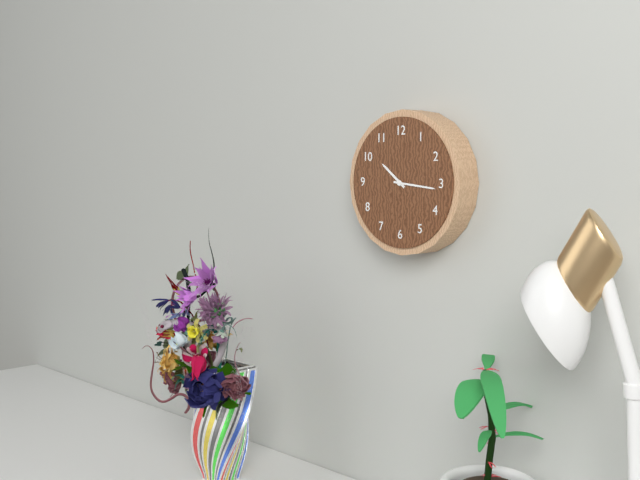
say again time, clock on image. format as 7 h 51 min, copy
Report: 10 h 16 min
